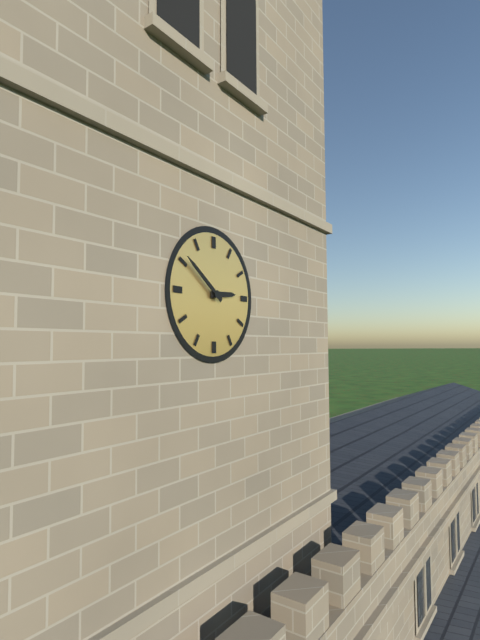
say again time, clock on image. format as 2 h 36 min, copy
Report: 2 h 51 min
